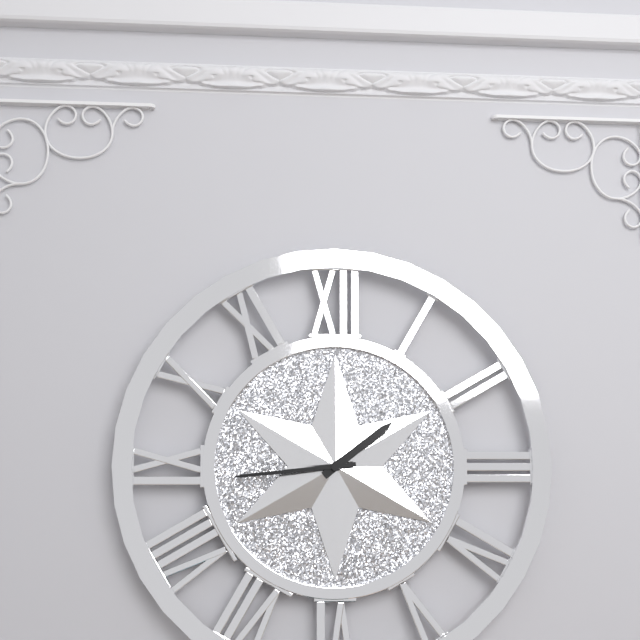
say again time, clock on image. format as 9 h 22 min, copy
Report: 1 h 44 min
